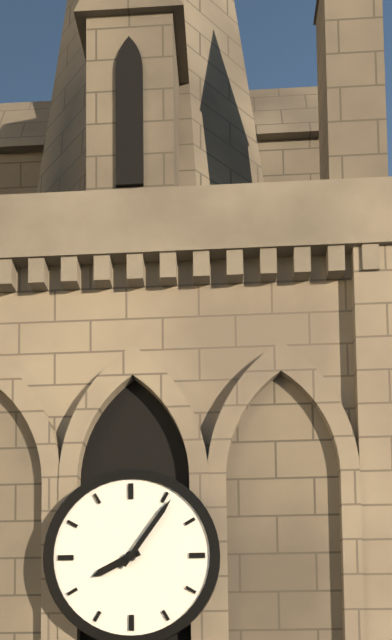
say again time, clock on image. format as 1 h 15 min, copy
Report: 8 h 06 min
